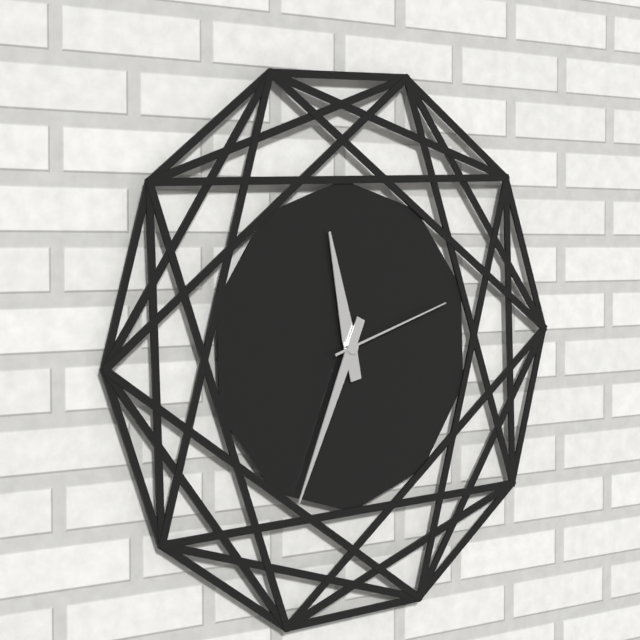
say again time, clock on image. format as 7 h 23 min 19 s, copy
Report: 11 h 34 min 12 s
